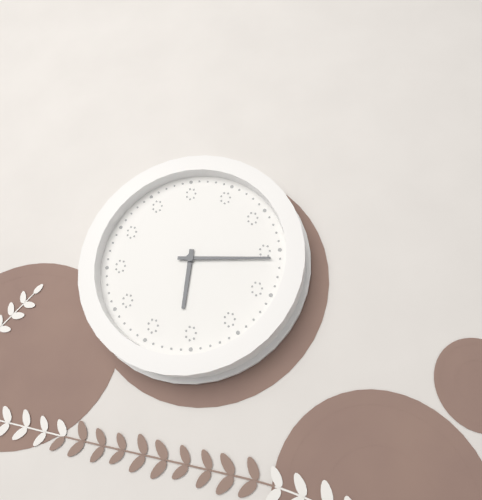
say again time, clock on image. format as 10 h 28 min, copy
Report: 6 h 16 min
